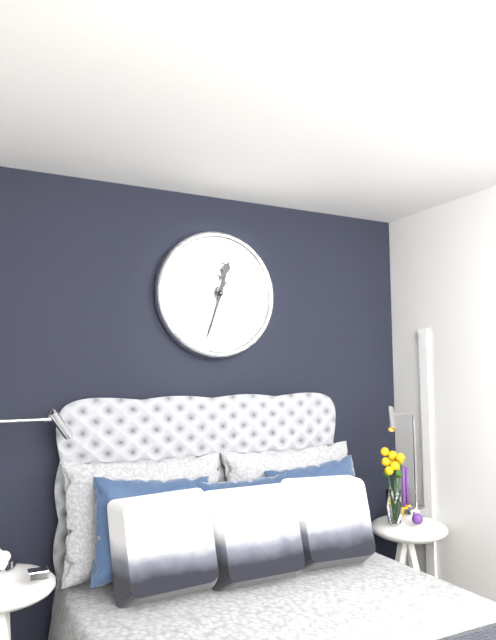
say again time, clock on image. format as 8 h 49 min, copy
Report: 12 h 33 min
